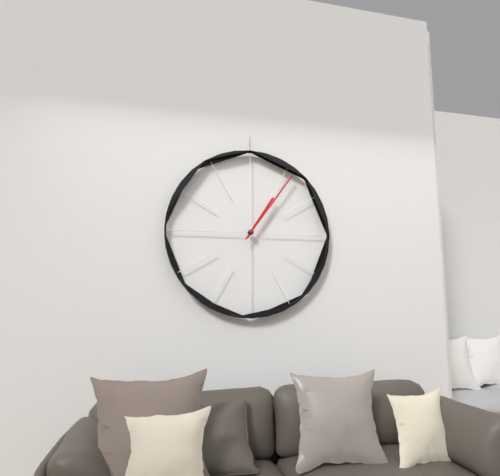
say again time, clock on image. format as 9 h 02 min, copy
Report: 1 h 06 min
